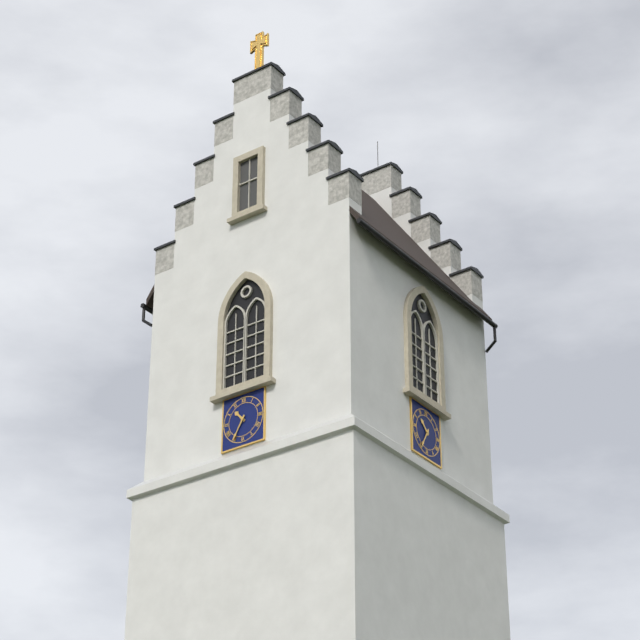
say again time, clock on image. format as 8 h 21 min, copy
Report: 10 h 35 min
